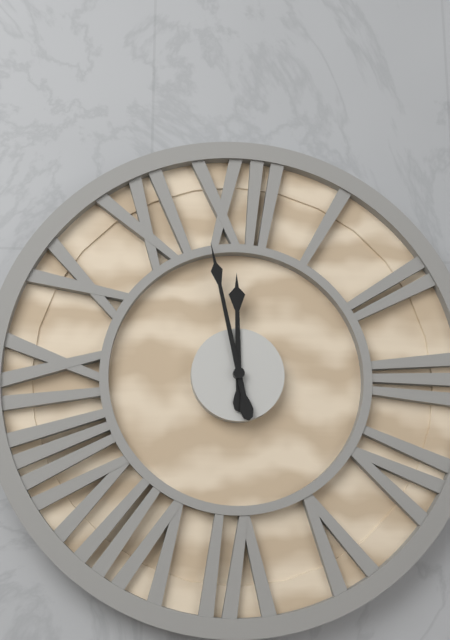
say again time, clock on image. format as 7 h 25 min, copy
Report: 11 h 58 min
